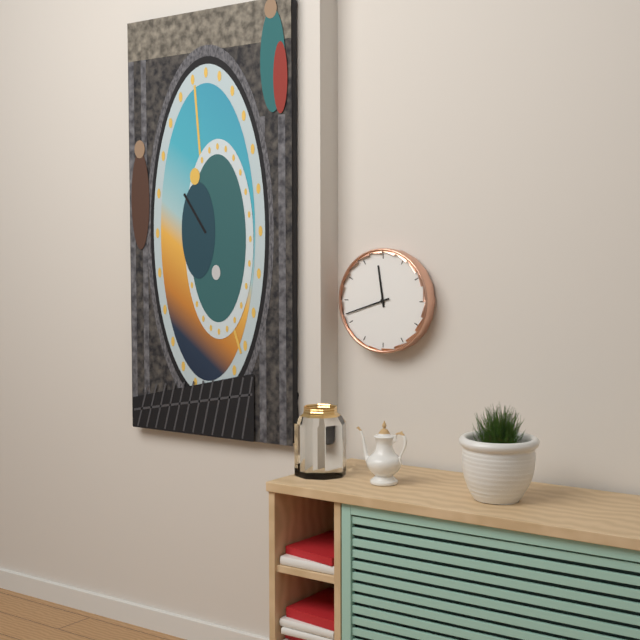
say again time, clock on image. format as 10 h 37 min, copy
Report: 11 h 42 min
